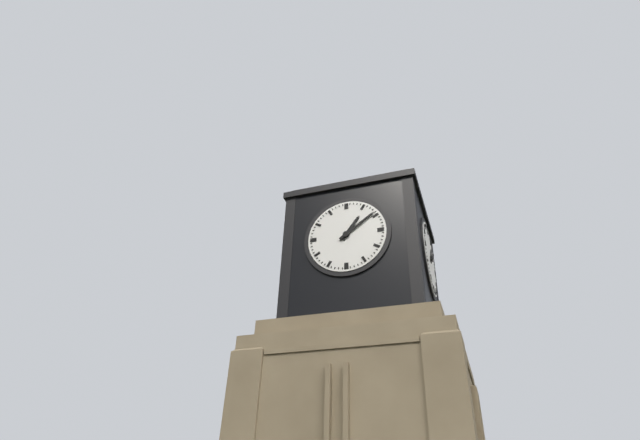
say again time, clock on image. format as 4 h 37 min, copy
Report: 1 h 09 min
